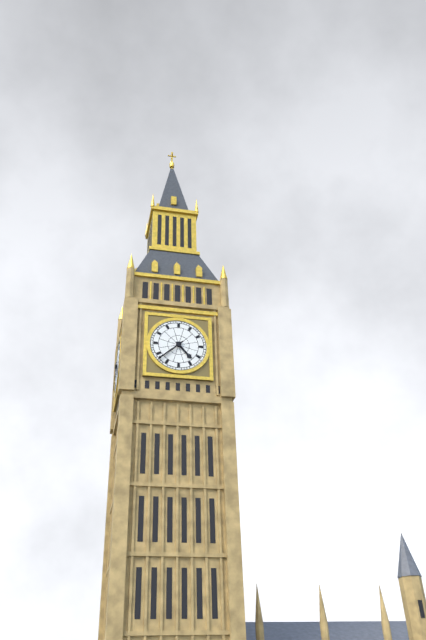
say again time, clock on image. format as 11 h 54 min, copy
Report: 4 h 38 min
